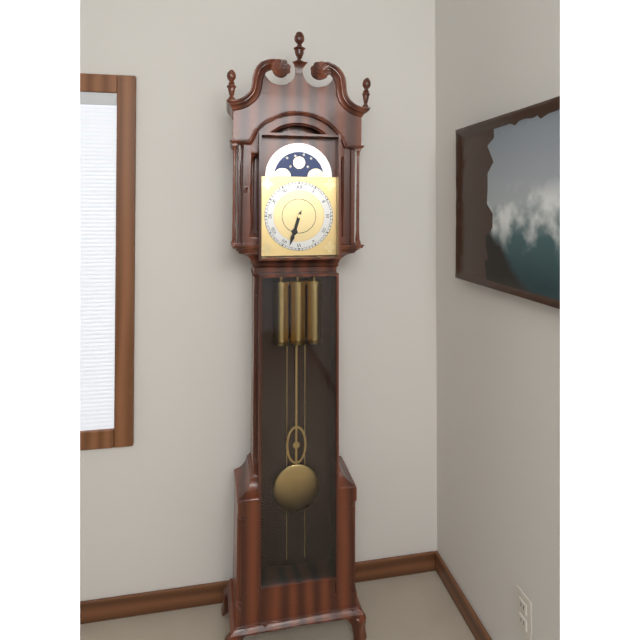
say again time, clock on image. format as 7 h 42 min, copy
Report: 6 h 33 min
